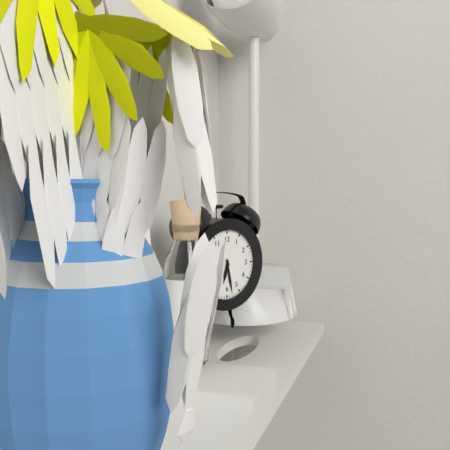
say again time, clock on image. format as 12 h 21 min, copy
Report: 6 h 28 min
